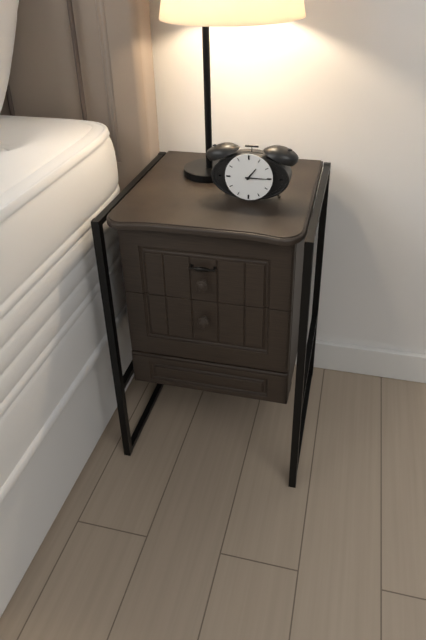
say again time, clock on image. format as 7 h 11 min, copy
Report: 1 h 15 min
